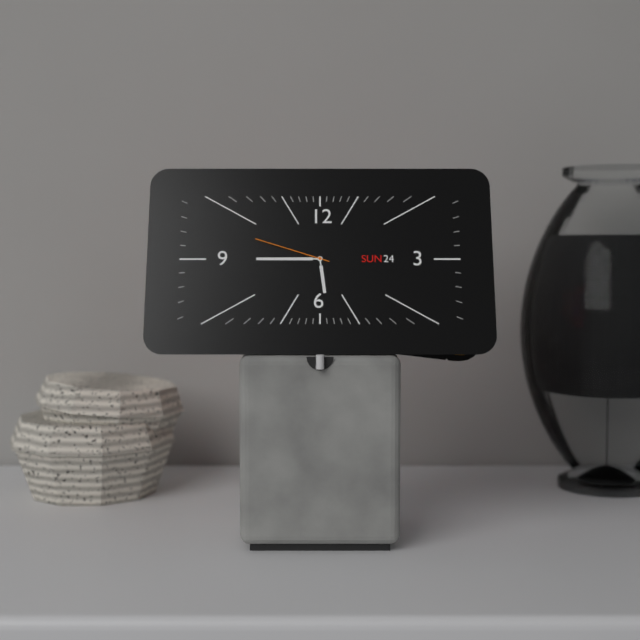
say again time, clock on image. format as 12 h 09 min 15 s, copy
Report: 5 h 45 min 48 s
